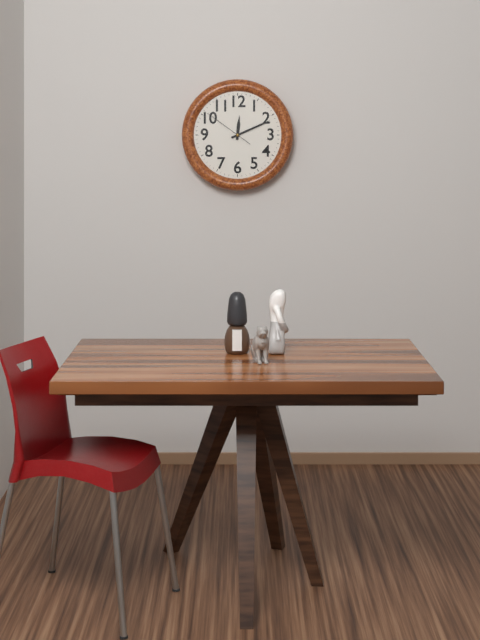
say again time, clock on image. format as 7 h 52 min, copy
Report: 12 h 11 min
